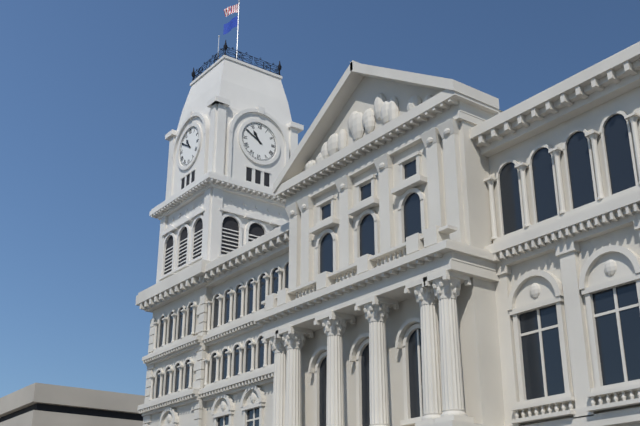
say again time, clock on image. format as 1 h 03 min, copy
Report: 10 h 50 min
